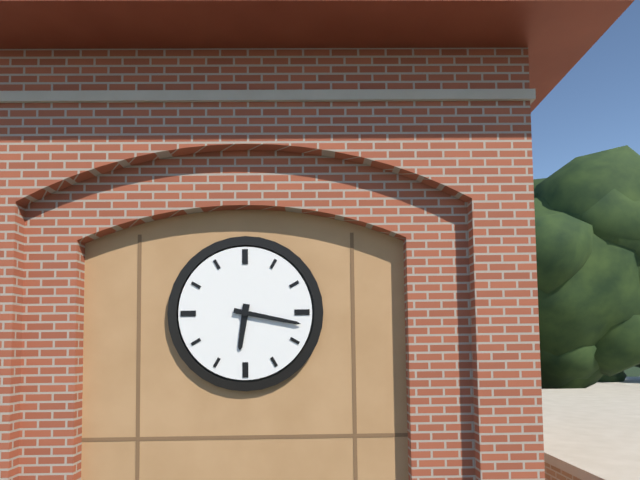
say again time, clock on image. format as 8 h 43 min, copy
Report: 6 h 17 min
